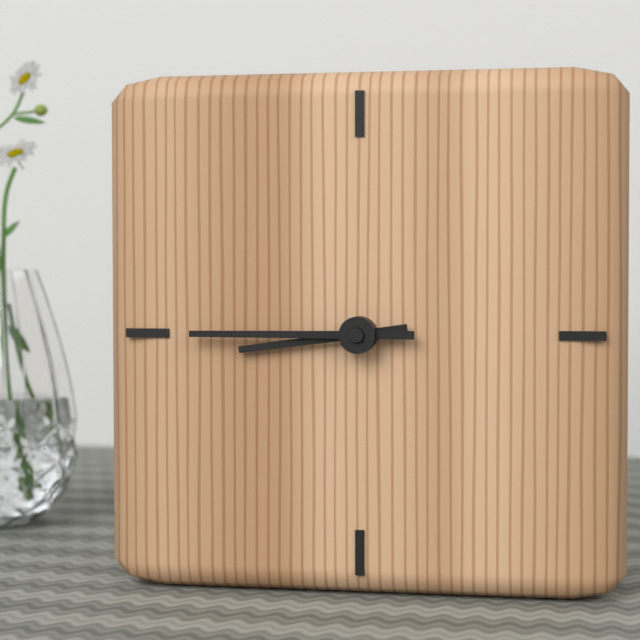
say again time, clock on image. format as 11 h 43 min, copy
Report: 8 h 45 min
